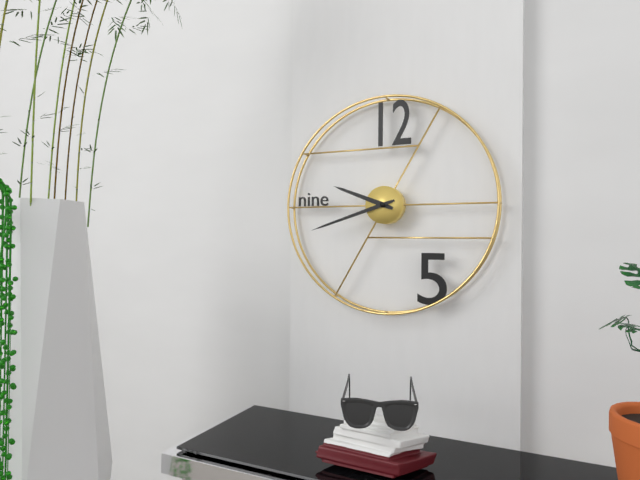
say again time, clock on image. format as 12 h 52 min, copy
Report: 9 h 42 min
